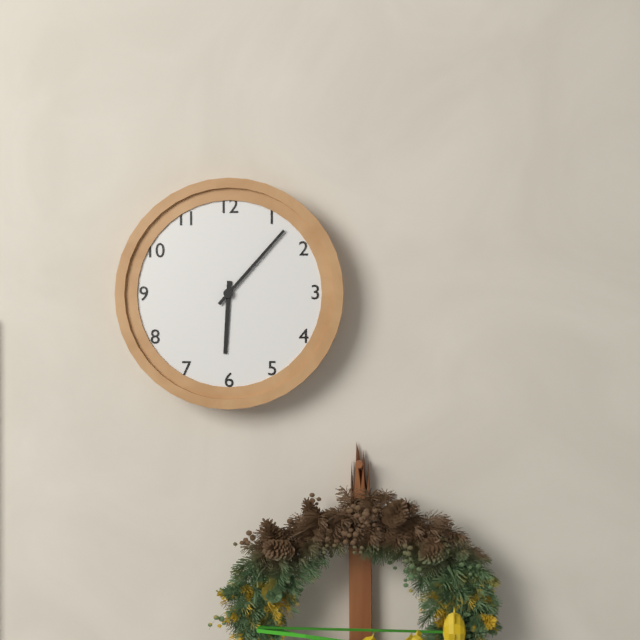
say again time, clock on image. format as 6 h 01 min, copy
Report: 6 h 07 min
